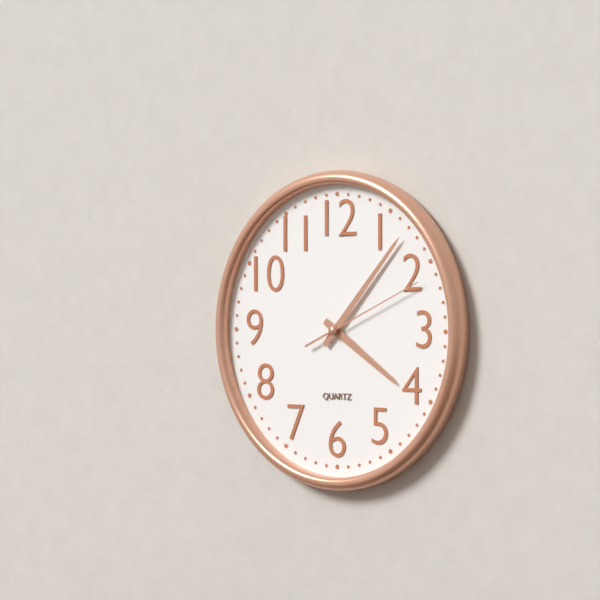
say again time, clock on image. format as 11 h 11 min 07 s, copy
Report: 4 h 07 min 11 s
